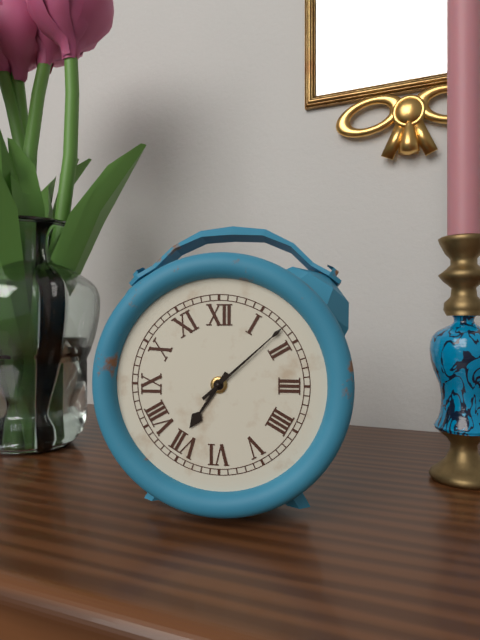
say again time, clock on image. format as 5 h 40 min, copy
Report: 7 h 08 min
